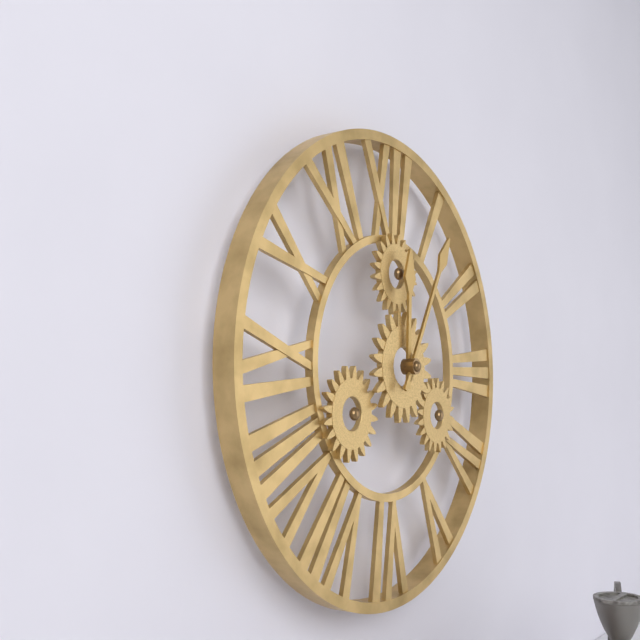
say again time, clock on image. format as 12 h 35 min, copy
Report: 12 h 05 min
